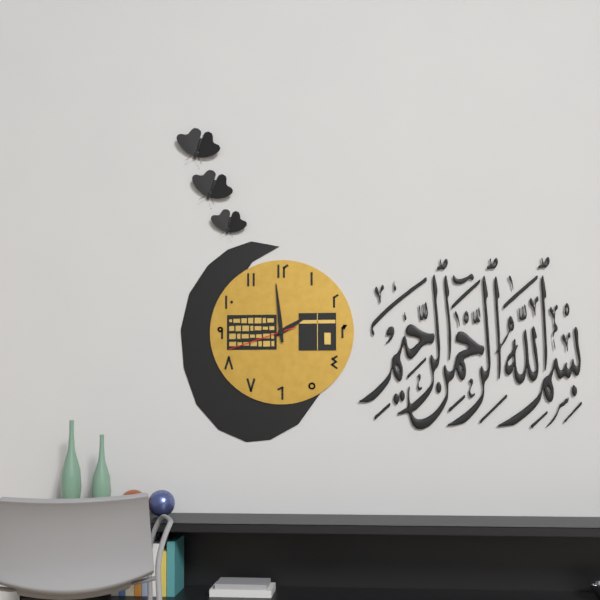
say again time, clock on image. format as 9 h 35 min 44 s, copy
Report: 1 h 59 min 42 s
